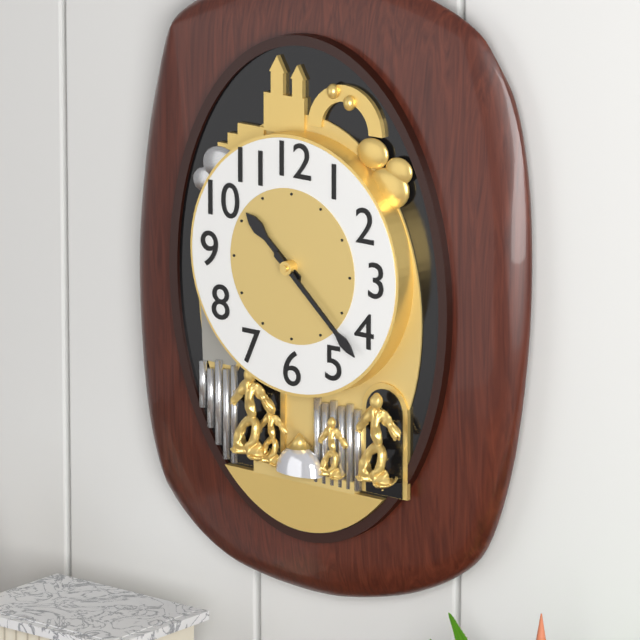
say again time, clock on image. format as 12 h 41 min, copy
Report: 10 h 22 min
